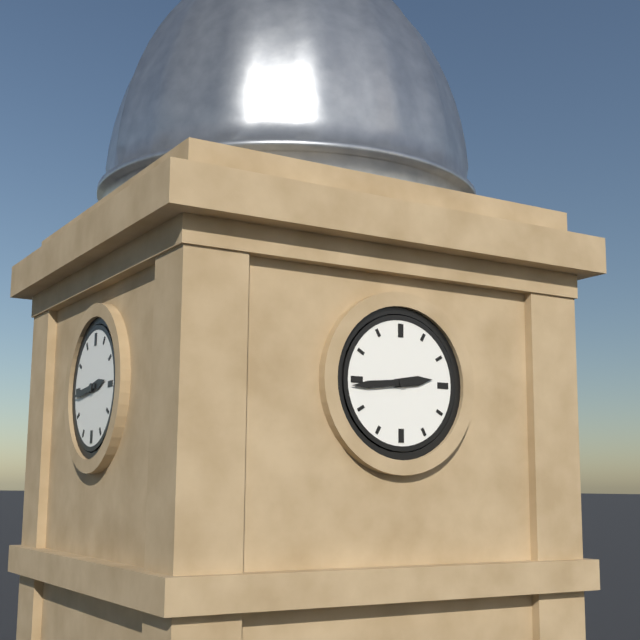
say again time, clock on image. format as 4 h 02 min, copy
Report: 2 h 44 min
